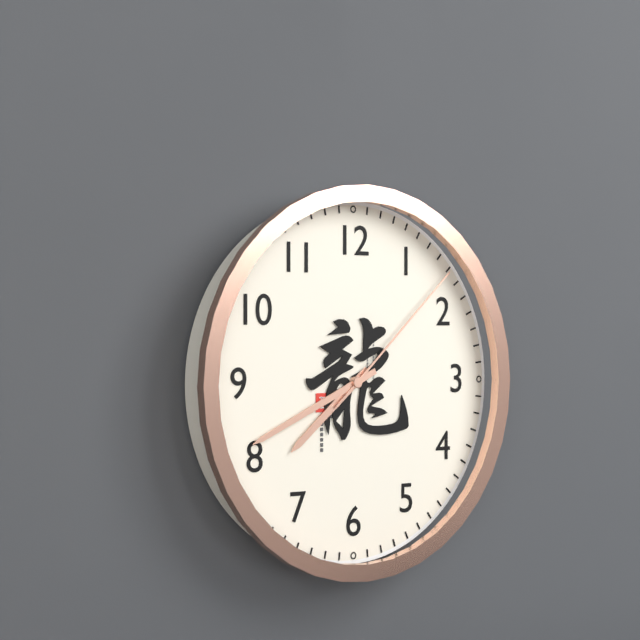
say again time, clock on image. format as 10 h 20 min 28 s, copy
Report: 7 h 41 min 08 s
